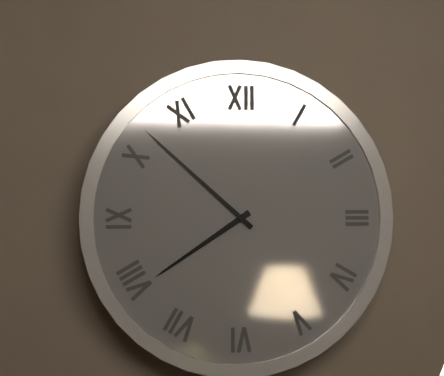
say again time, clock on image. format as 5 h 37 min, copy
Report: 7 h 52 min
